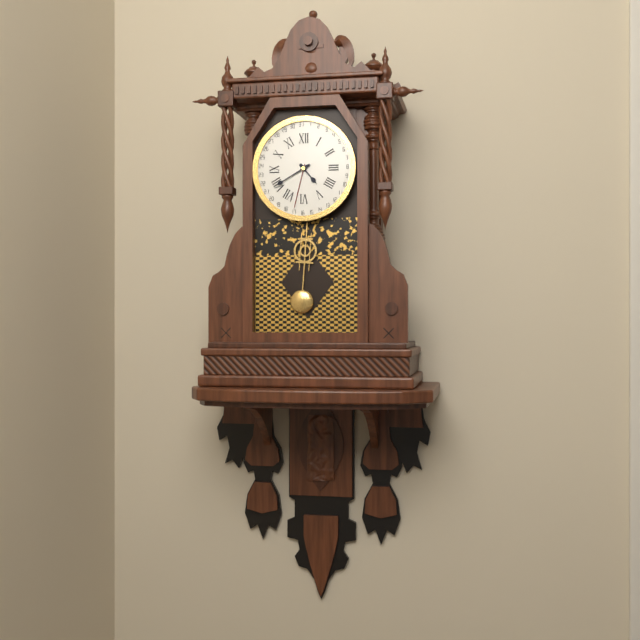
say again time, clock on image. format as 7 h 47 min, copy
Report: 4 h 40 min
